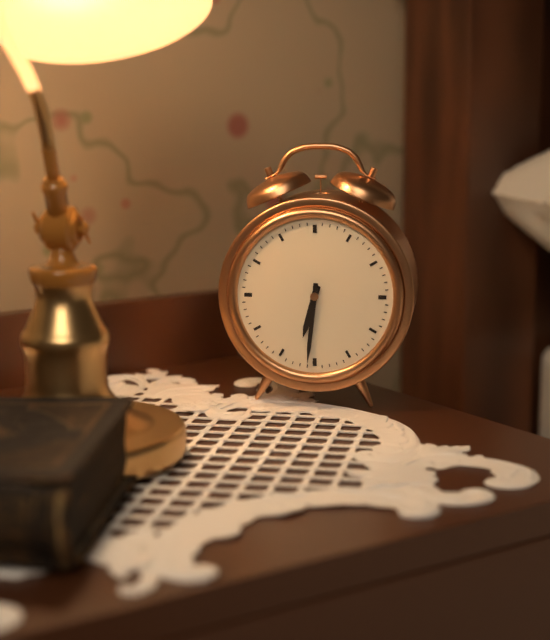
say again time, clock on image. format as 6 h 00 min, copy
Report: 6 h 31 min
